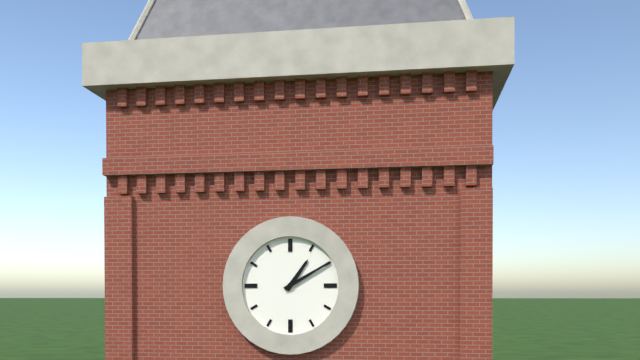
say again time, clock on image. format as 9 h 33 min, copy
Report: 1 h 10 min
